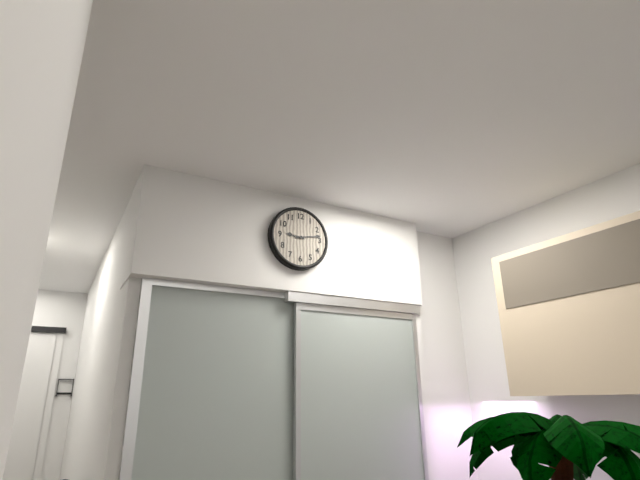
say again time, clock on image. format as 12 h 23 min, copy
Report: 9 h 13 min
